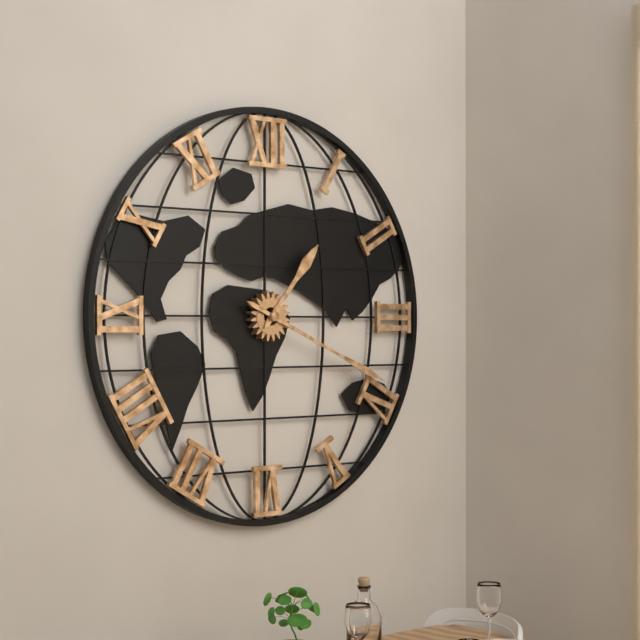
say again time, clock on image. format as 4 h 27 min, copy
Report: 1 h 19 min
